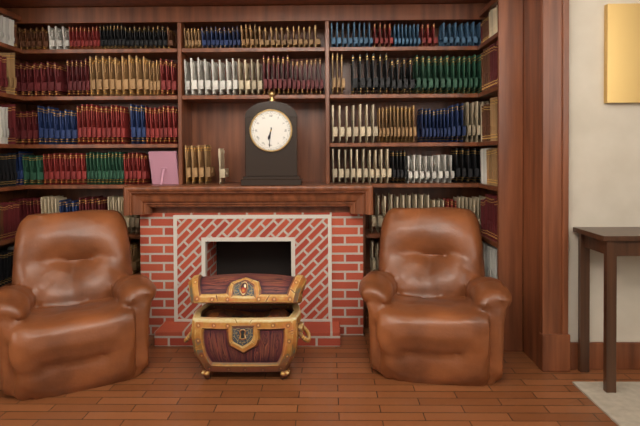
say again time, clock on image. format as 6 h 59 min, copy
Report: 6 h 31 min
